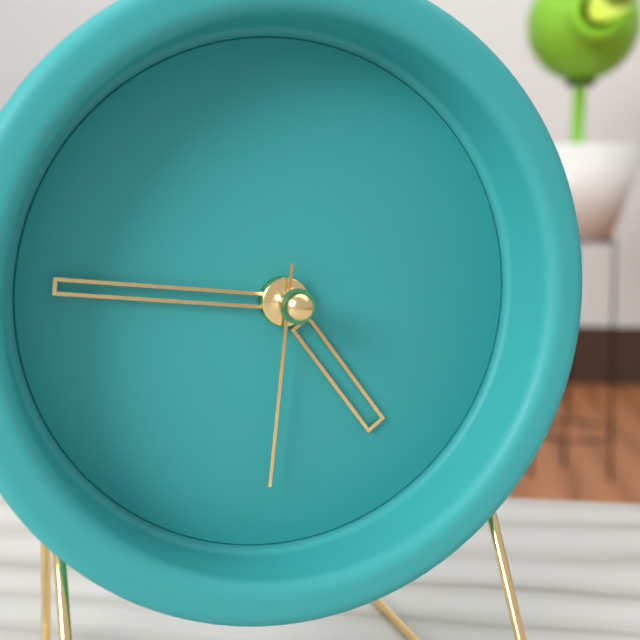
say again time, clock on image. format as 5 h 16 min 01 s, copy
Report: 4 h 46 min 31 s
